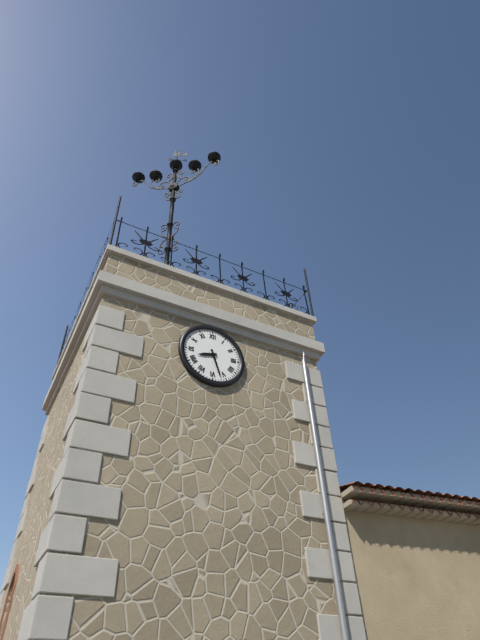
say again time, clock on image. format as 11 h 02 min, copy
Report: 8 h 27 min
